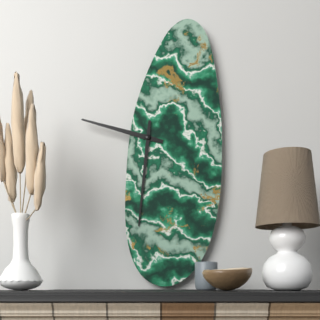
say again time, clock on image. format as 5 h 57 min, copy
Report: 9 h 31 min
